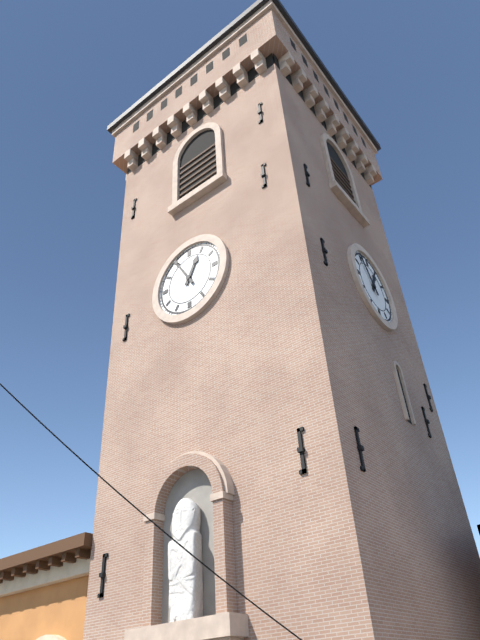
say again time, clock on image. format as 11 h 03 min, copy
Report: 12 h 55 min
